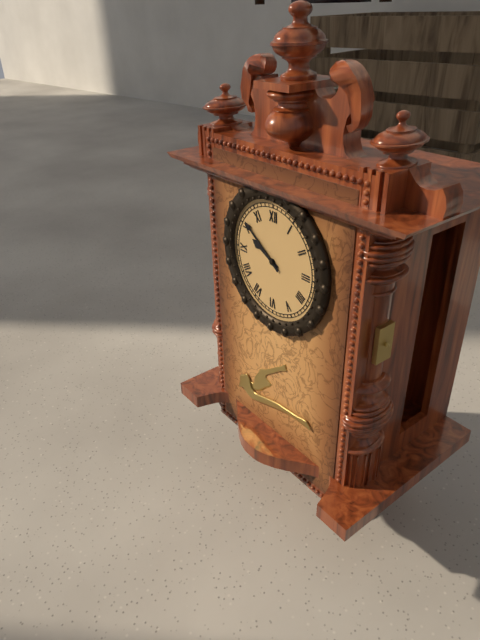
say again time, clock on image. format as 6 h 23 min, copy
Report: 9 h 51 min
